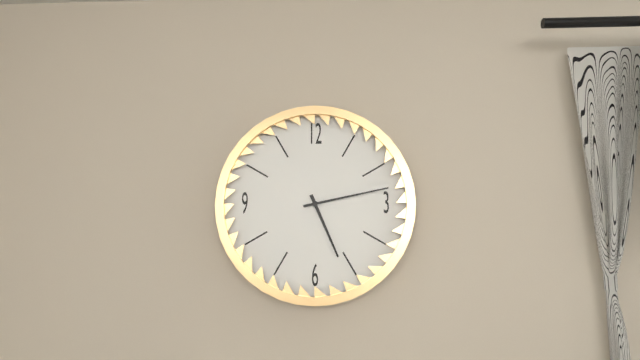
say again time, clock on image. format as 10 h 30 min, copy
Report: 5 h 13 min
